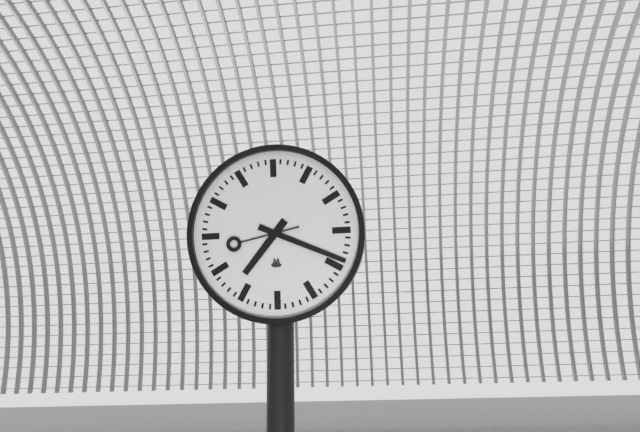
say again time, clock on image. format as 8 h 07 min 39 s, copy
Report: 7 h 19 min 43 s
